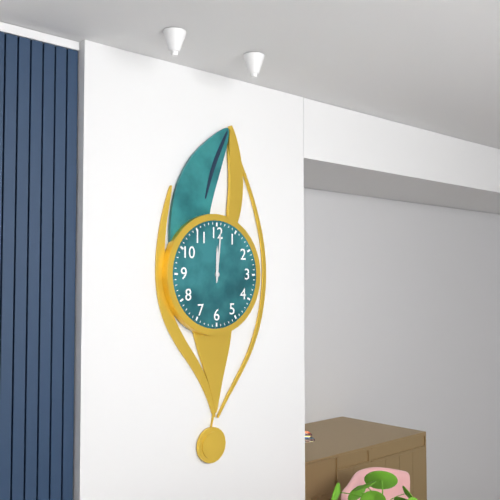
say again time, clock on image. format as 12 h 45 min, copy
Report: 12 h 01 min
